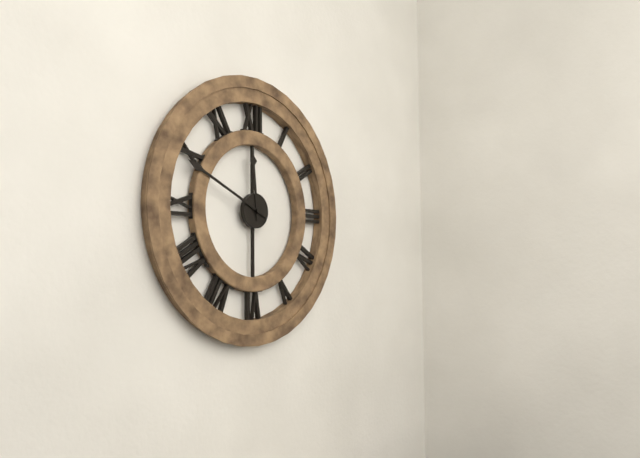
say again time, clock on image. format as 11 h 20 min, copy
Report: 11 h 49 min
